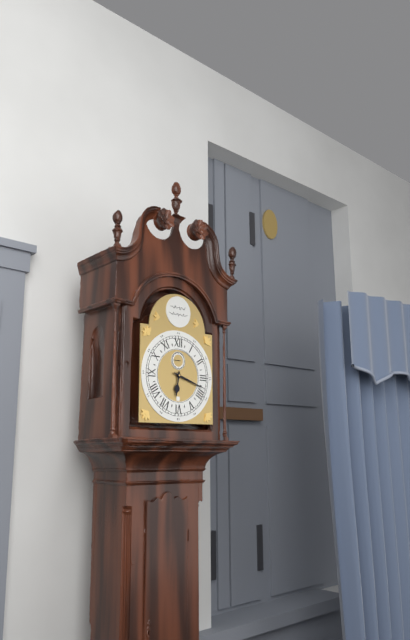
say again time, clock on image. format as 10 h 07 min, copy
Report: 6 h 18 min
